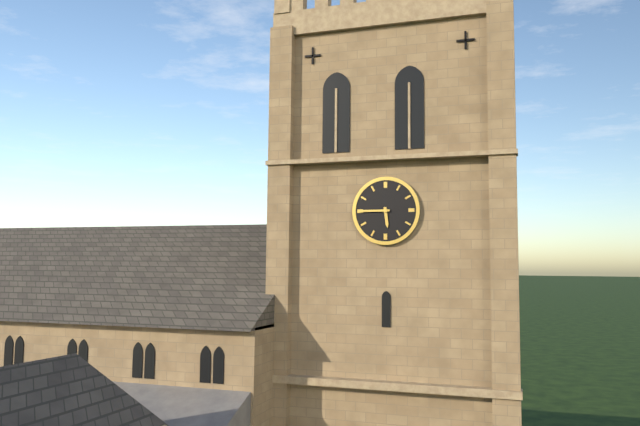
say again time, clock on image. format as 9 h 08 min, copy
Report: 5 h 45 min
